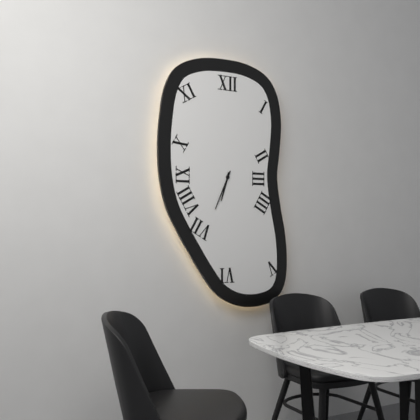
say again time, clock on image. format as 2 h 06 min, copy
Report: 6 h 34 min
